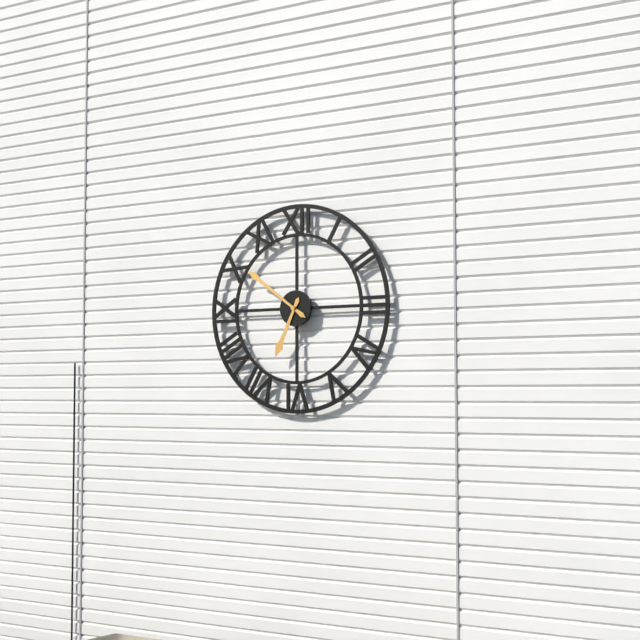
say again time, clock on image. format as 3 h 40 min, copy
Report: 6 h 51 min
